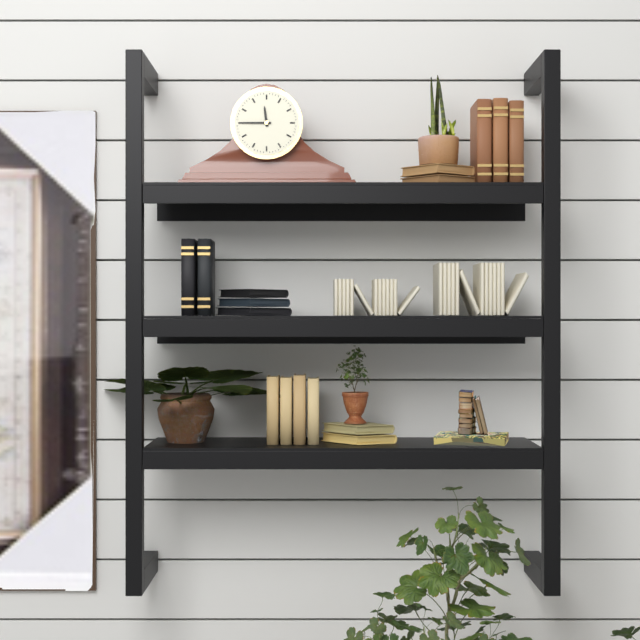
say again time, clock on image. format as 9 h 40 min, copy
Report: 11 h 45 min
